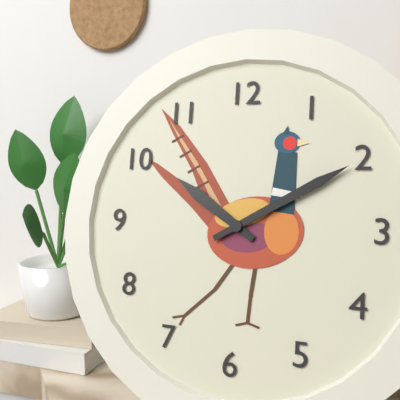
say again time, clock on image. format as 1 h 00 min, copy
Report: 10 h 10 min
